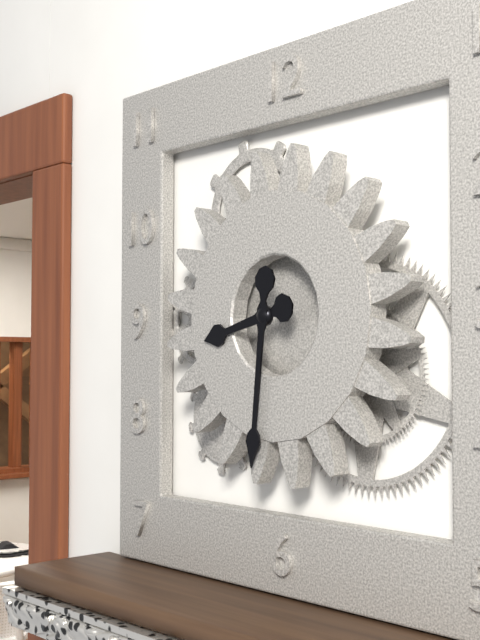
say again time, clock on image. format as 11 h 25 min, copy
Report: 8 h 31 min
